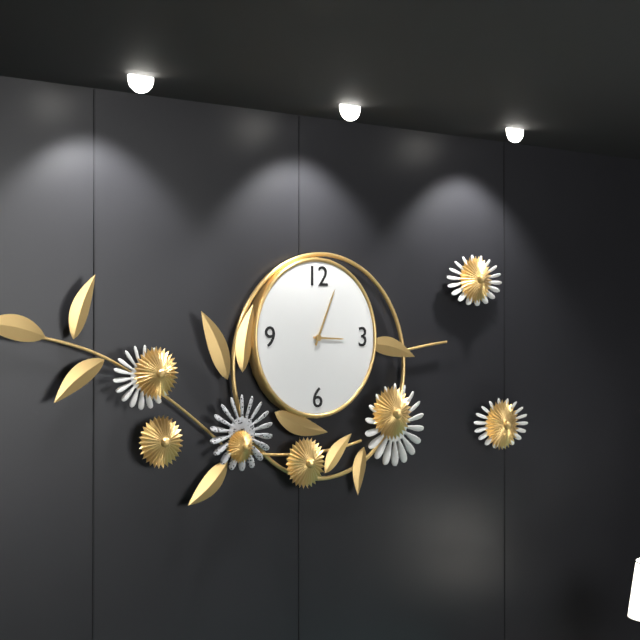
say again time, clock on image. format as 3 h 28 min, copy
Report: 3 h 04 min
